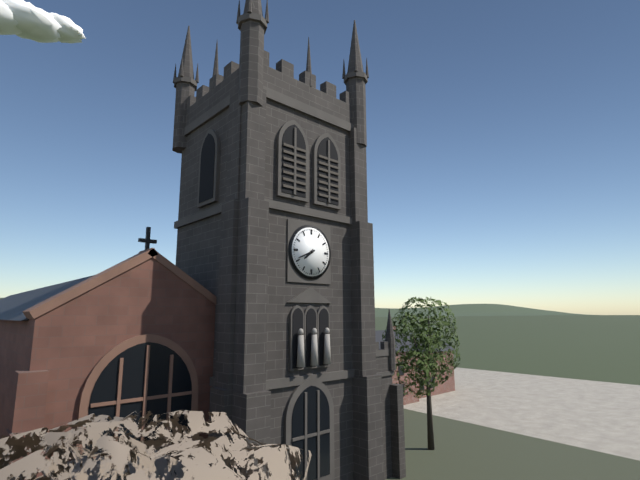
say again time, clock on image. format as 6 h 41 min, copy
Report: 7 h 41 min
